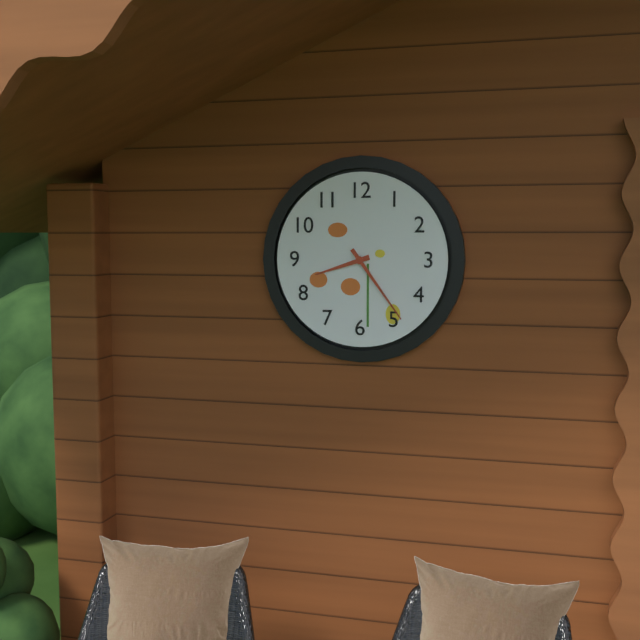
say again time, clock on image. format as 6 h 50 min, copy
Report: 8 h 24 min
